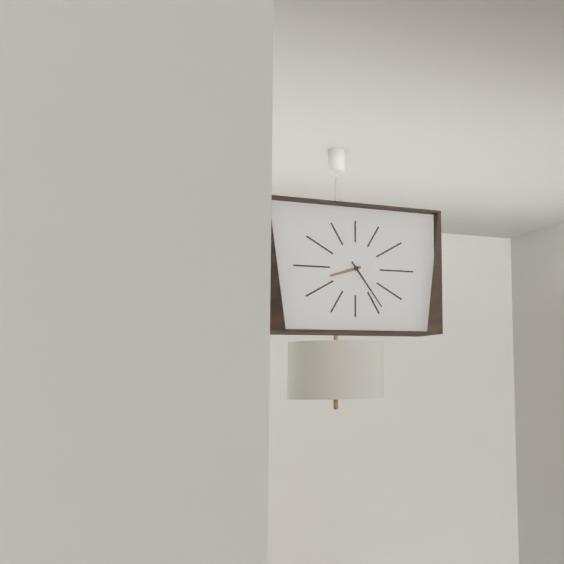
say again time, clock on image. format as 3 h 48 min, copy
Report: 8 h 24 min
